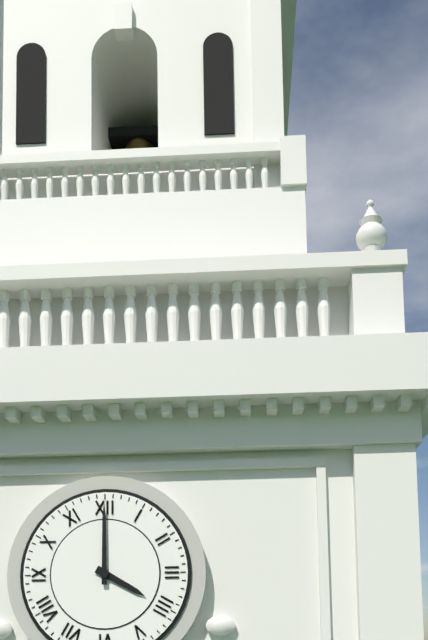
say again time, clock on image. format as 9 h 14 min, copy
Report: 4 h 00 min
